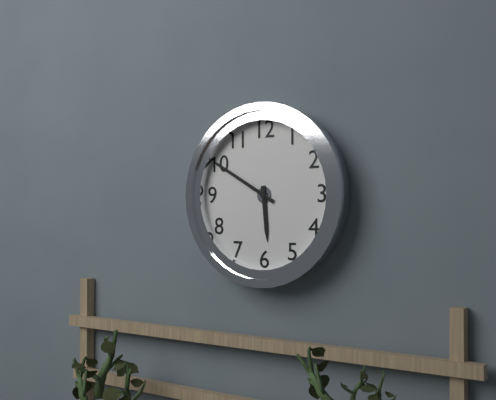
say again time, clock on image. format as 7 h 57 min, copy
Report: 5 h 50 min
